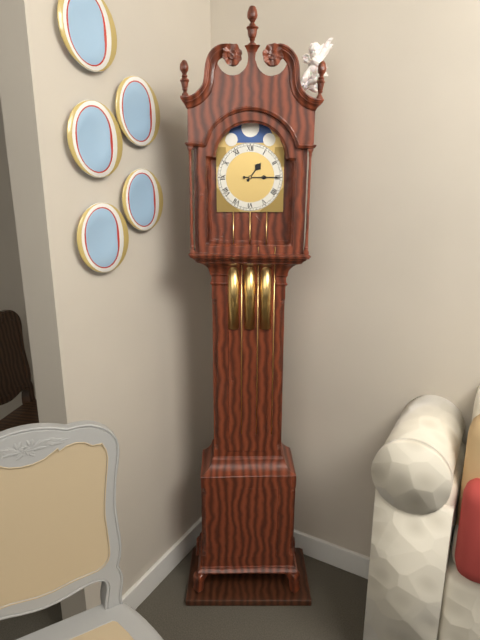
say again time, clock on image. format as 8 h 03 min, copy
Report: 1 h 15 min
